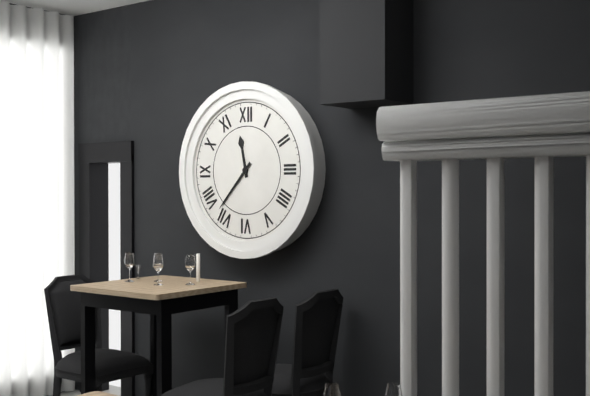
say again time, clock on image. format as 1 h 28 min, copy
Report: 11 h 37 min
